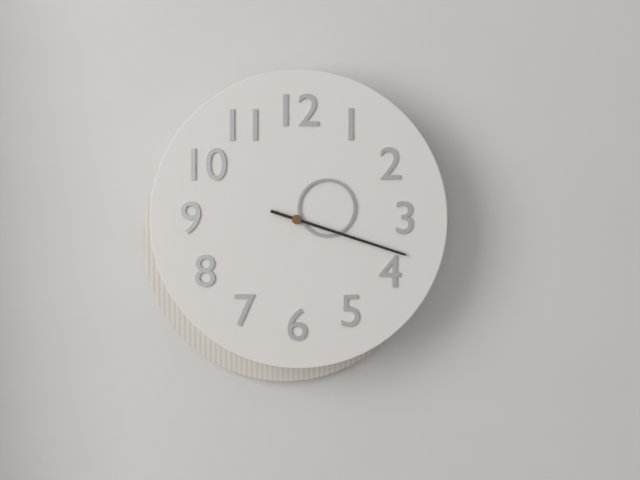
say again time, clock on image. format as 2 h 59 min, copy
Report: 2 h 18 min
